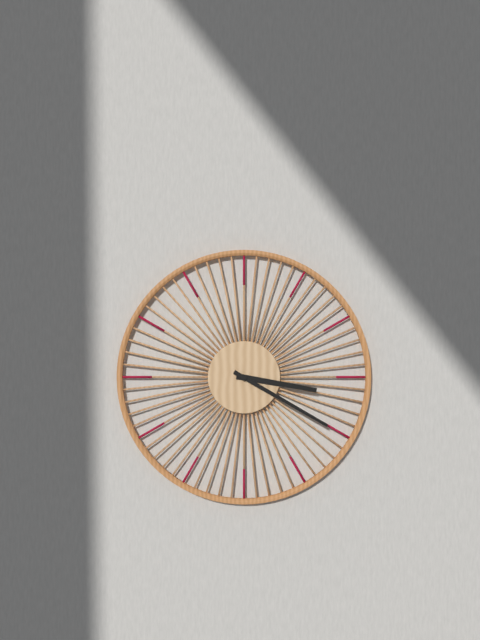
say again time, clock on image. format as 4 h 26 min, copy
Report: 3 h 20 min
